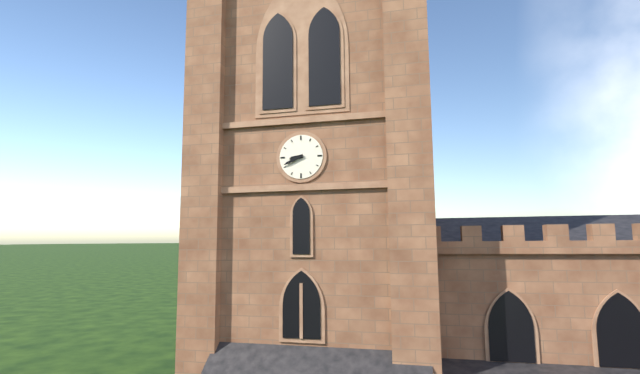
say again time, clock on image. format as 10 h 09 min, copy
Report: 8 h 41 min
